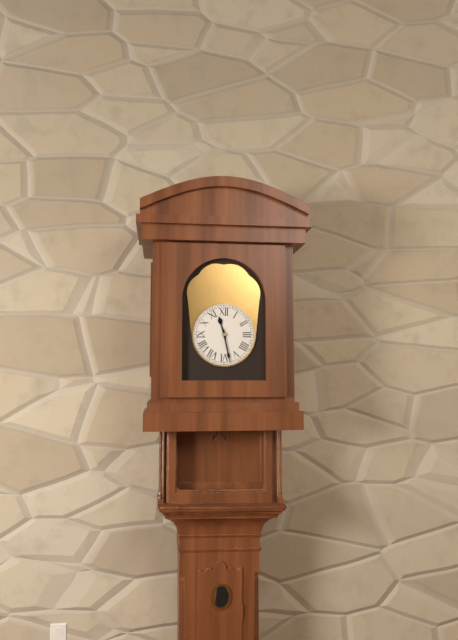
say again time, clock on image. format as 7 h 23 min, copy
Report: 11 h 28 min
